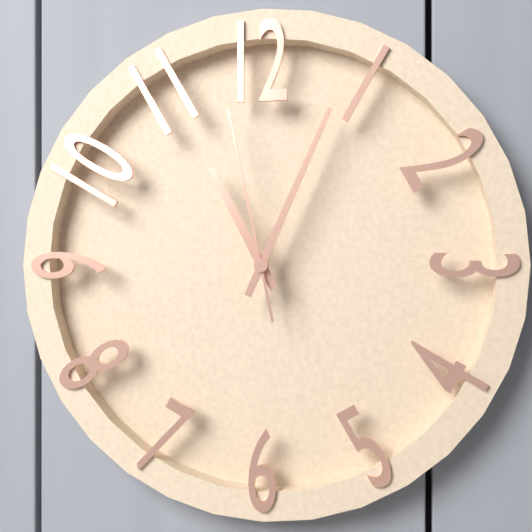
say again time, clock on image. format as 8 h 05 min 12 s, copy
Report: 11 h 04 min 58 s
